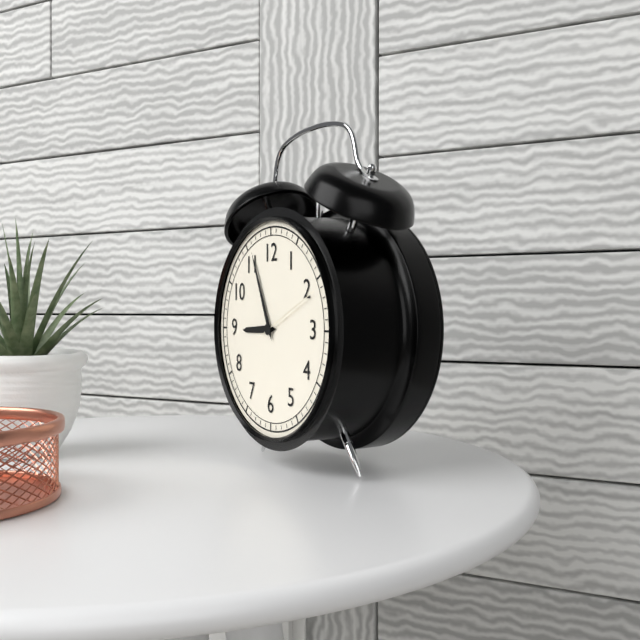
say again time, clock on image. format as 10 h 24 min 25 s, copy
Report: 8 h 56 min 11 s
